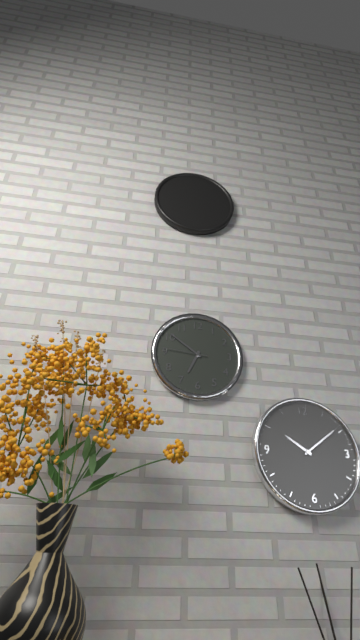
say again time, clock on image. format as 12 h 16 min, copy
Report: 6 h 51 min
